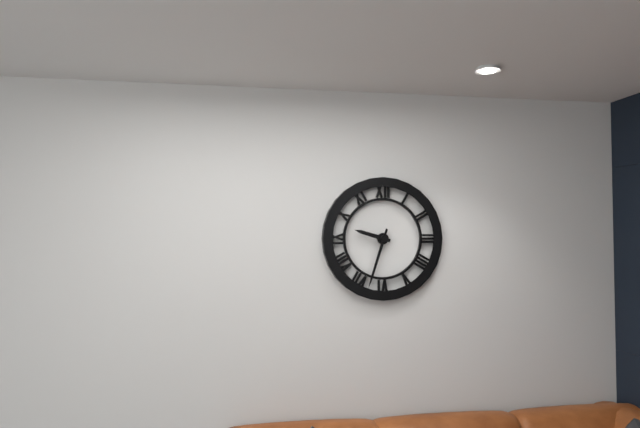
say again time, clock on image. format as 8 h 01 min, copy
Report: 9 h 33 min
